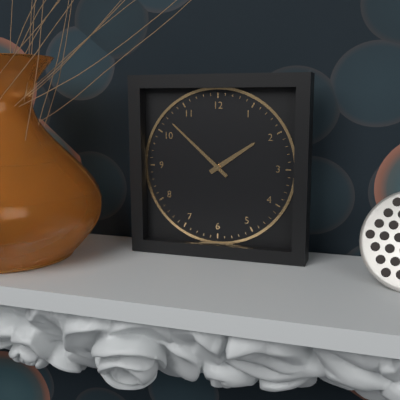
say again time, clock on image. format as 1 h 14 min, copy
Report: 1 h 52 min
